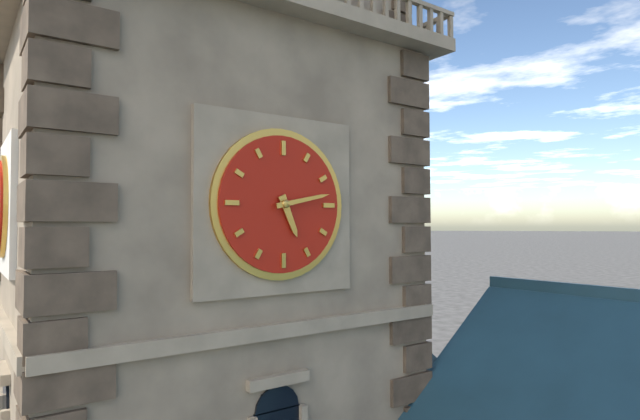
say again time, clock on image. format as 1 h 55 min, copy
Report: 5 h 13 min
